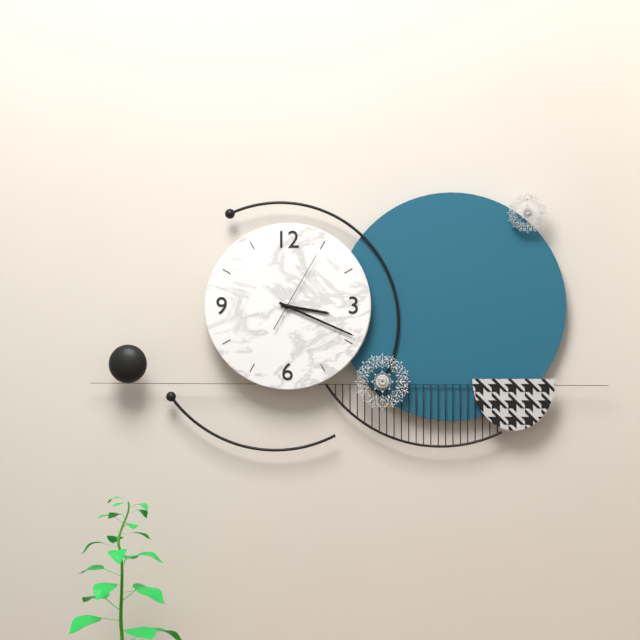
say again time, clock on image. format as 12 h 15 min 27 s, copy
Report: 3 h 19 min 05 s
